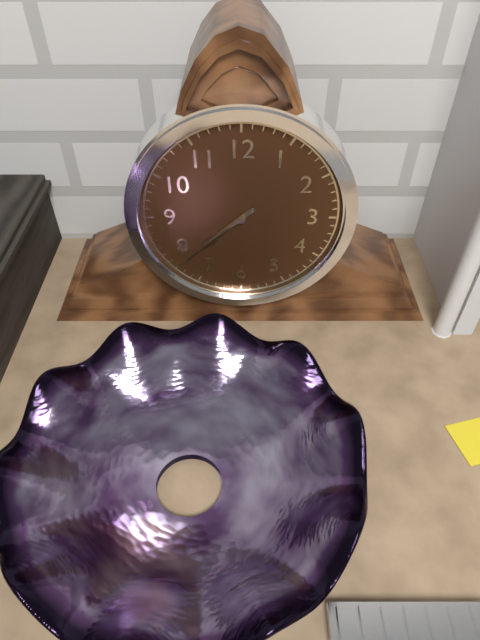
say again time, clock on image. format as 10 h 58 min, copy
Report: 7 h 38 min
